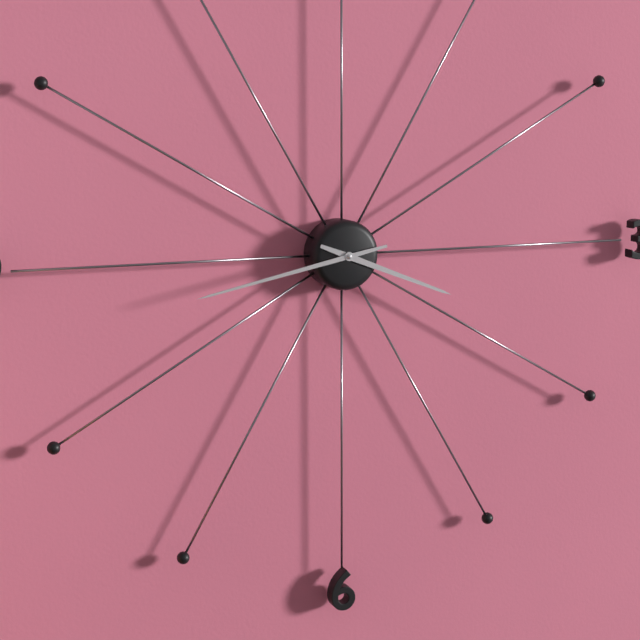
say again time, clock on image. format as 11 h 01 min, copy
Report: 3 h 43 min
